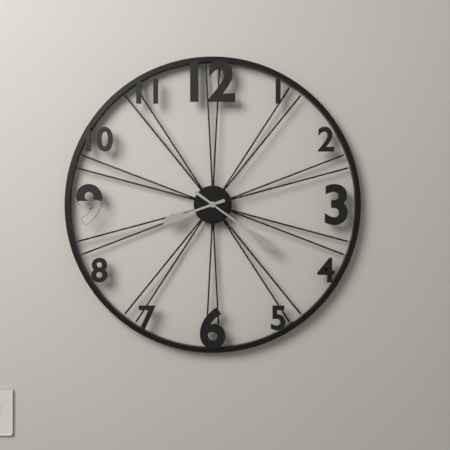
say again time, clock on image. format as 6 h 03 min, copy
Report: 8 h 21 min
